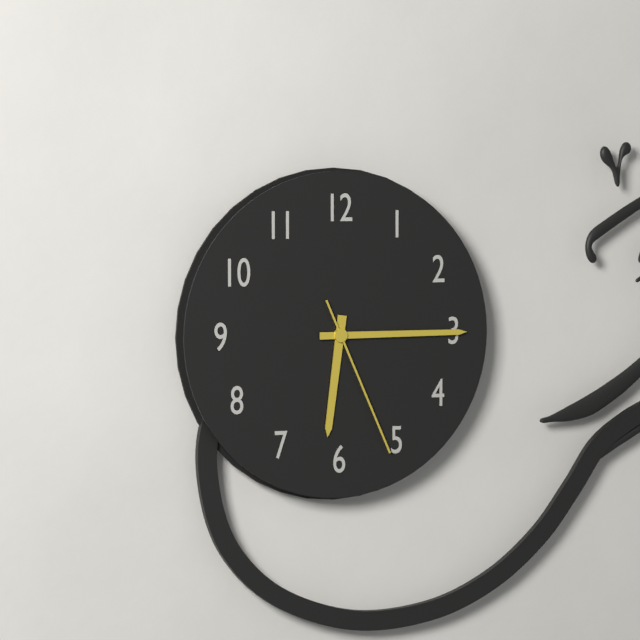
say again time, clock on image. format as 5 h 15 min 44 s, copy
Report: 6 h 15 min 26 s
